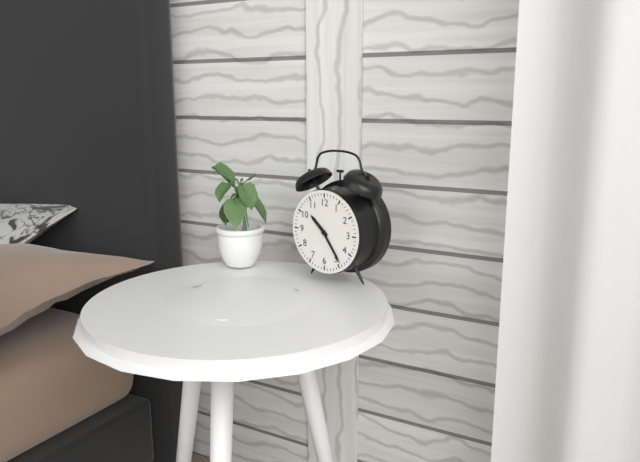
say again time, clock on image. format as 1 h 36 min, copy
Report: 10 h 24 min
